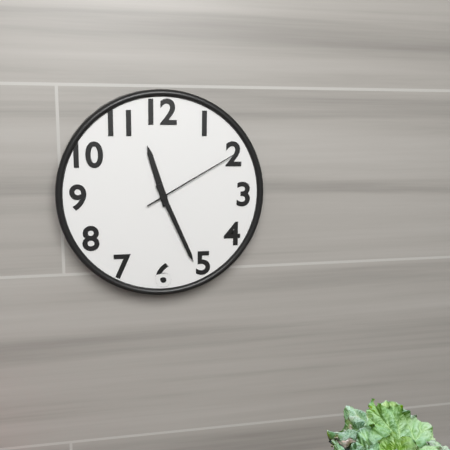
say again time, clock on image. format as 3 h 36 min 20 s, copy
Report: 11 h 26 min 10 s
